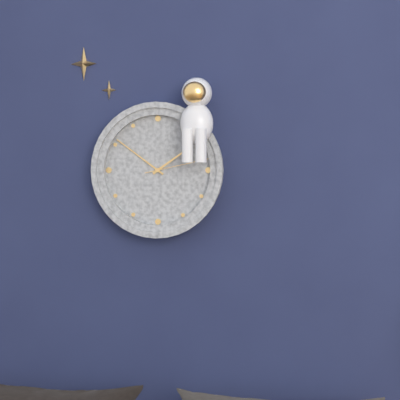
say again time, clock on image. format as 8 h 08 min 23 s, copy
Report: 1 h 51 min 13 s
